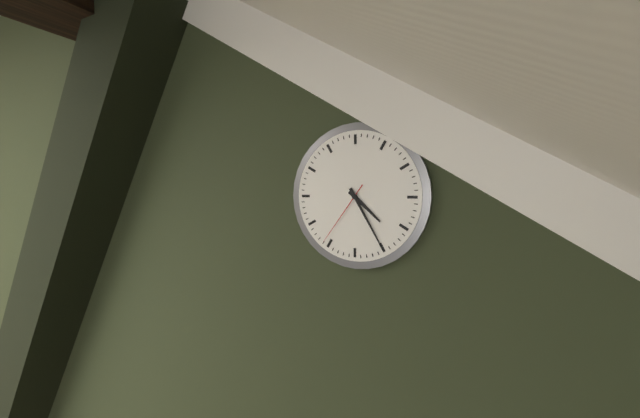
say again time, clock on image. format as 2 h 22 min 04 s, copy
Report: 4 h 25 min 36 s
